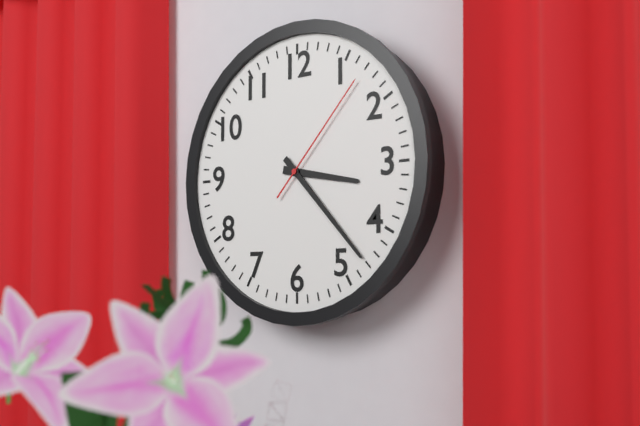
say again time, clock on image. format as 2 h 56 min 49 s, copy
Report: 3 h 23 min 07 s
